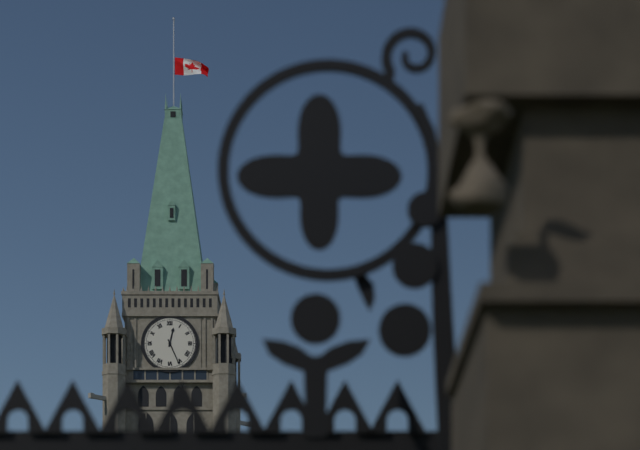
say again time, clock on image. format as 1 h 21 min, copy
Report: 12 h 26 min
